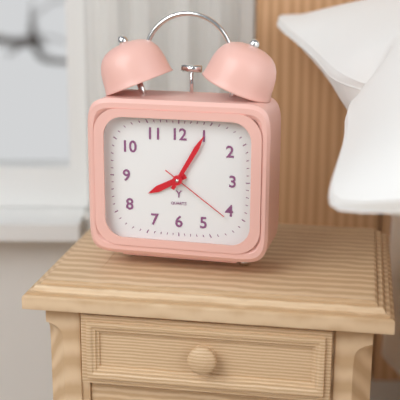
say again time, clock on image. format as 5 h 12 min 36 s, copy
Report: 8 h 05 min 21 s
